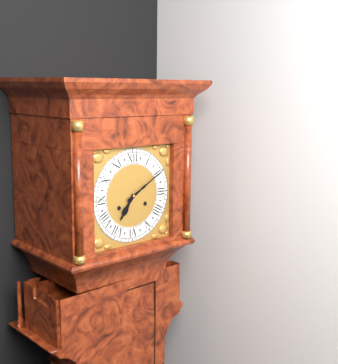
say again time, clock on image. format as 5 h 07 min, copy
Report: 7 h 10 min
